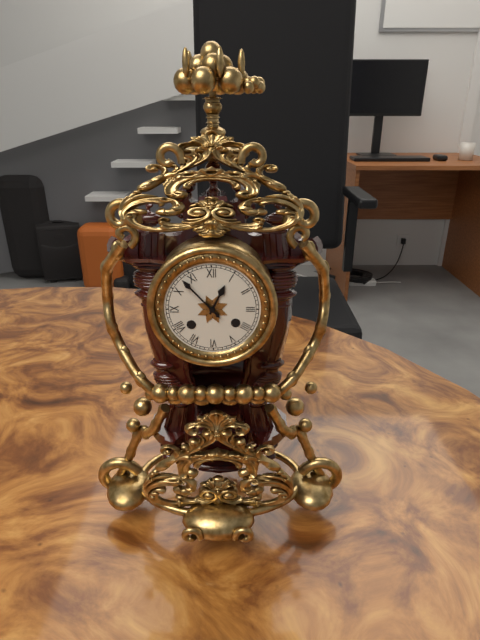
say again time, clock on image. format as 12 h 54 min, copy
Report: 12 h 53 min
